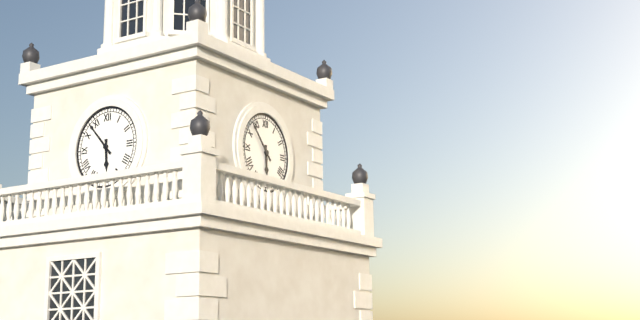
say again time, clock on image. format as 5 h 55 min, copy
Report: 5 h 53 min
